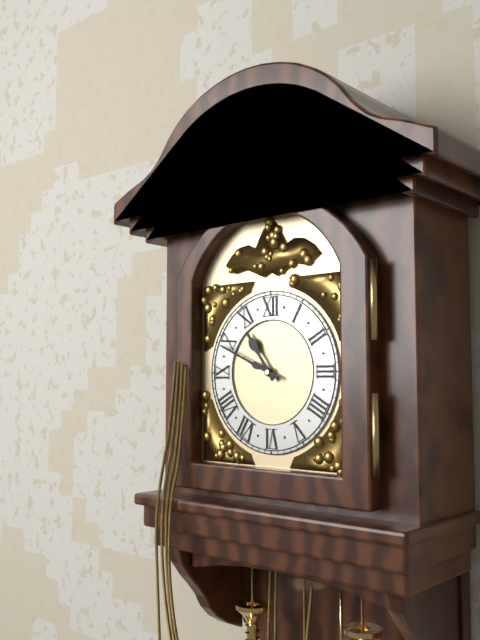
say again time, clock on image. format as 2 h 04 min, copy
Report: 10 h 49 min
